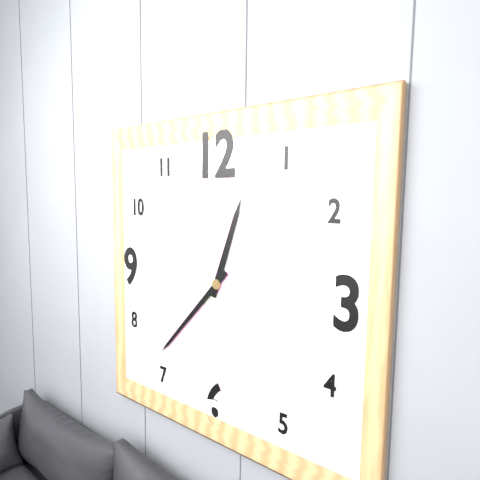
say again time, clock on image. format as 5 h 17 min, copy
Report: 12 h 37 min
